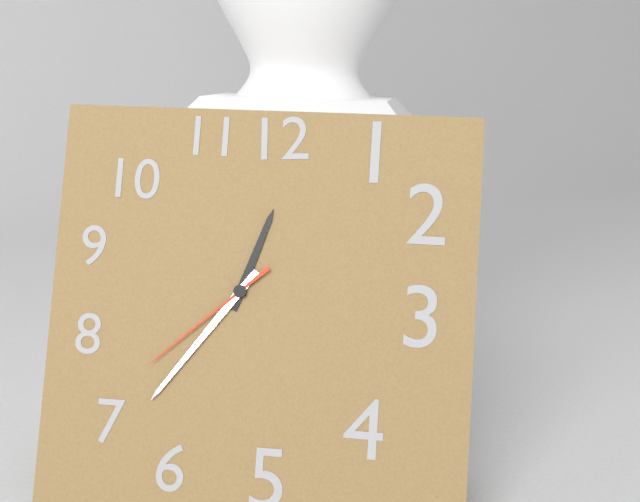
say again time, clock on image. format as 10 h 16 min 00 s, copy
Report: 12 h 36 min 38 s
